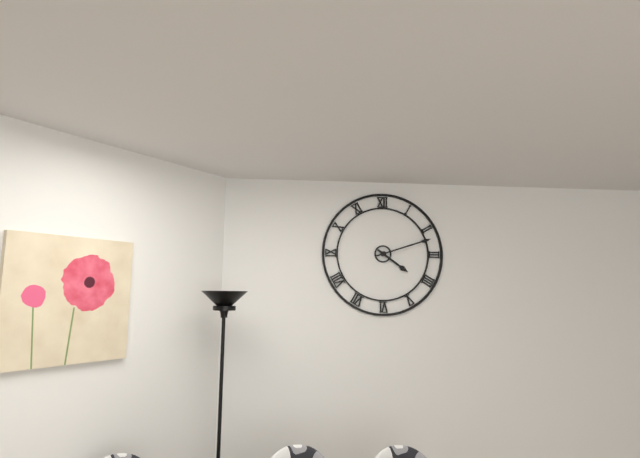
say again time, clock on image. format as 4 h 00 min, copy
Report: 4 h 12 min
